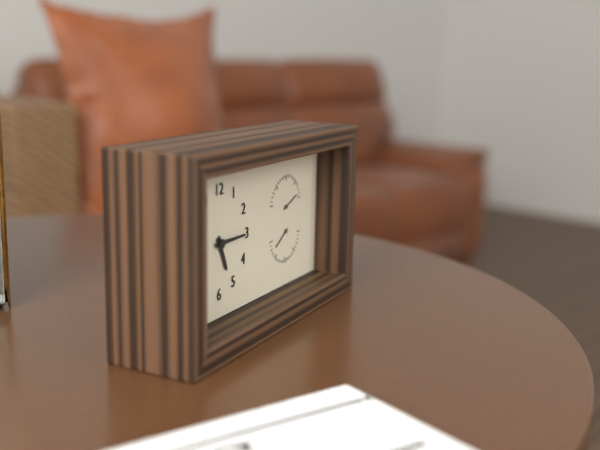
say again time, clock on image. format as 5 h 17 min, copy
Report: 5 h 15 min
